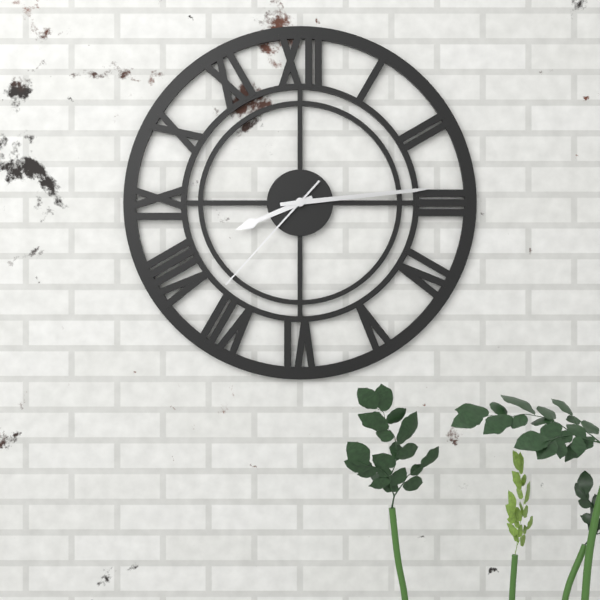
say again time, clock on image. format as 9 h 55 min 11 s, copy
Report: 8 h 14 min 37 s
